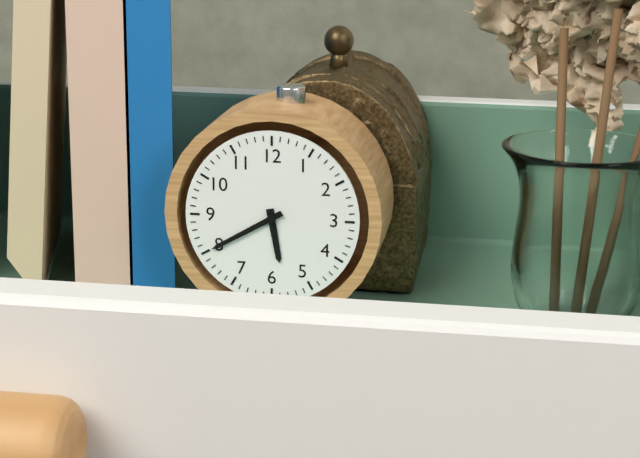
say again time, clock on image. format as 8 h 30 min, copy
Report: 5 h 40 min
